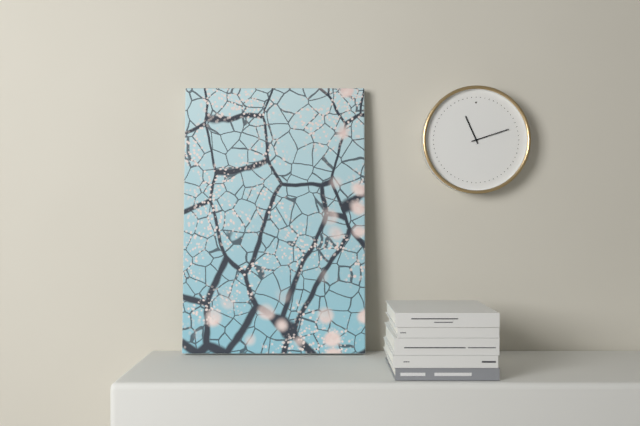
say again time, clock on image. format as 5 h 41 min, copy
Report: 11 h 12 min
